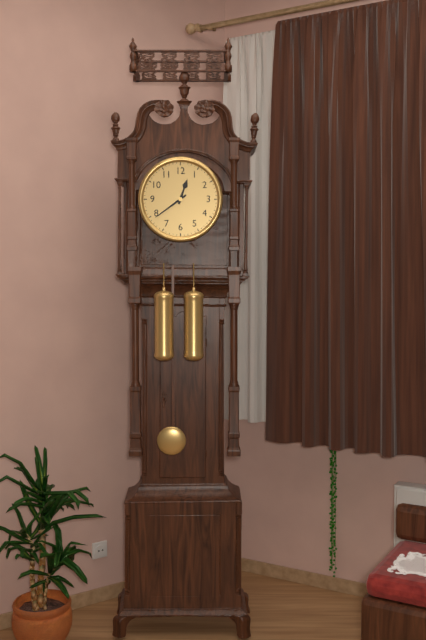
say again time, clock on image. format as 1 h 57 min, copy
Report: 12 h 39 min
